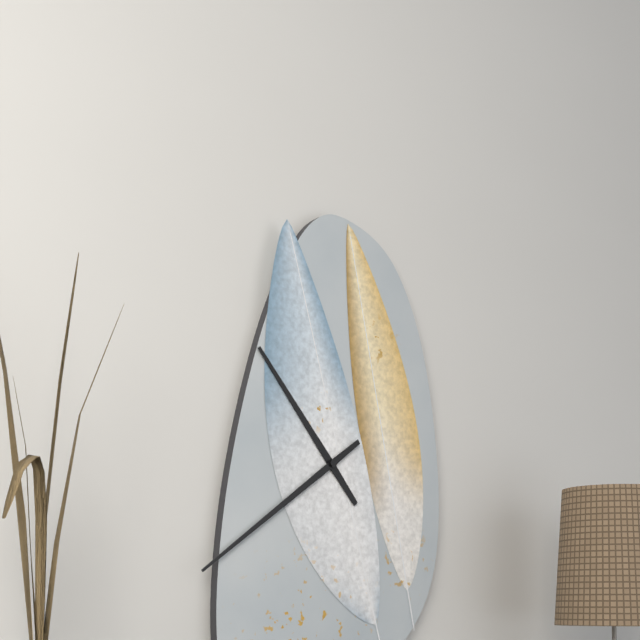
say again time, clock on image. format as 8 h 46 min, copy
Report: 10 h 39 min
